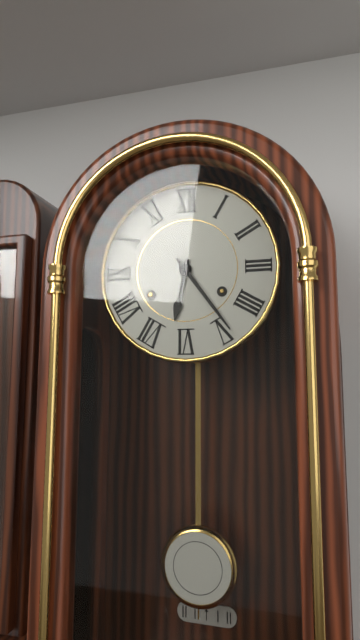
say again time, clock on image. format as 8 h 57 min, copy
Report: 6 h 24 min
